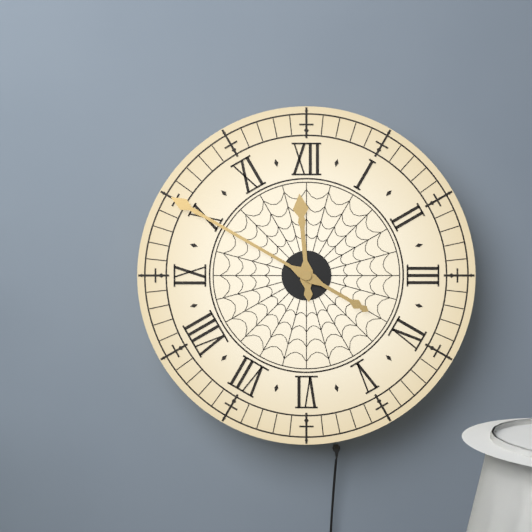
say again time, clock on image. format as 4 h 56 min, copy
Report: 11 h 50 min
